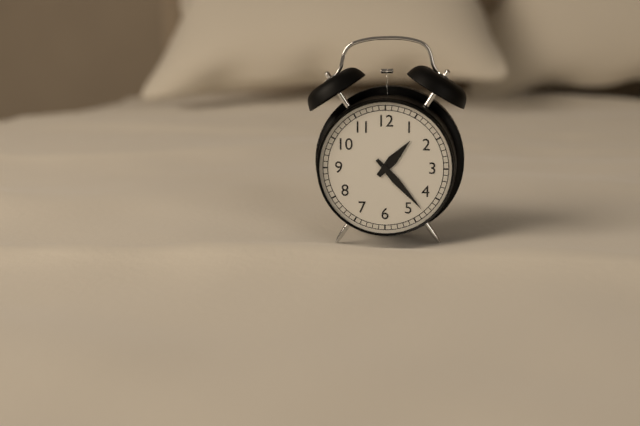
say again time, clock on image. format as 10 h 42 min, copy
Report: 1 h 23 min
